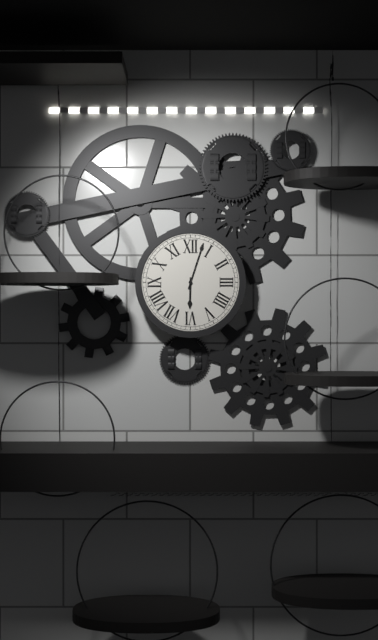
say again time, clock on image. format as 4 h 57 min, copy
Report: 6 h 03 min
